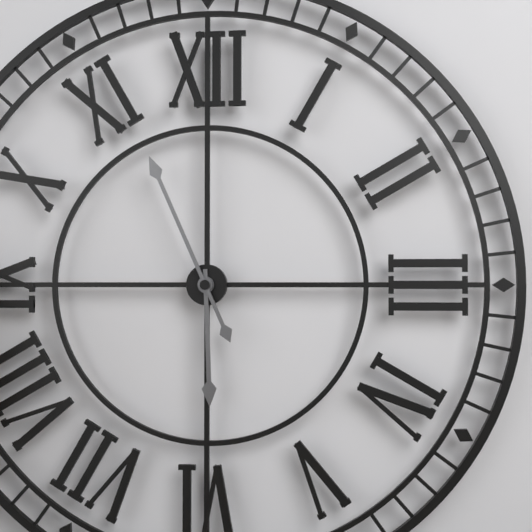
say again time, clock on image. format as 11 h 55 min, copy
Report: 5 h 56 min
